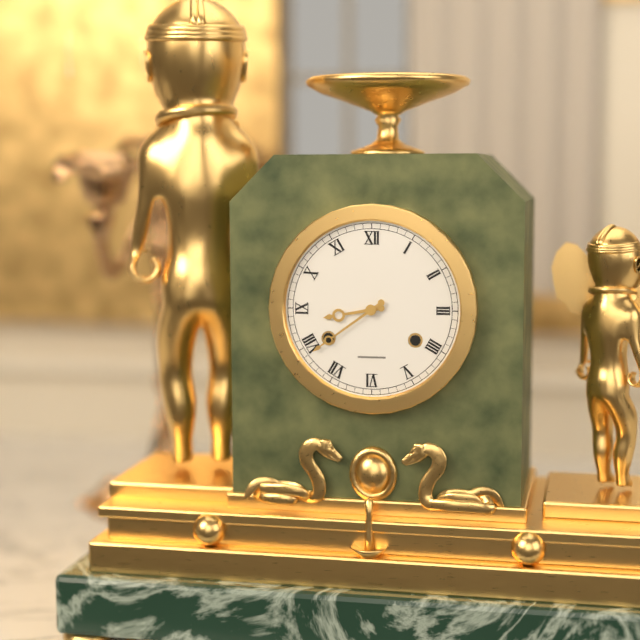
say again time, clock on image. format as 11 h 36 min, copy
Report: 8 h 39 min
